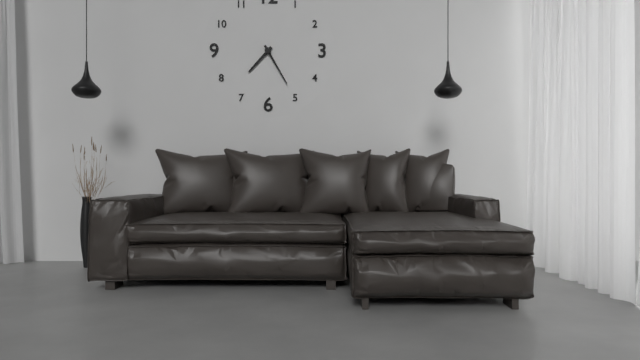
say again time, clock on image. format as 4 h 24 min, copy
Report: 7 h 25 min
